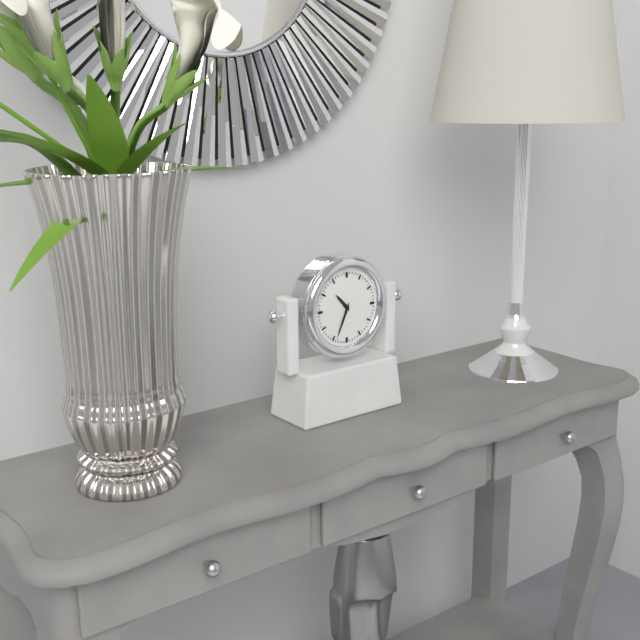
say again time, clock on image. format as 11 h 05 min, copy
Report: 10 h 34 min
